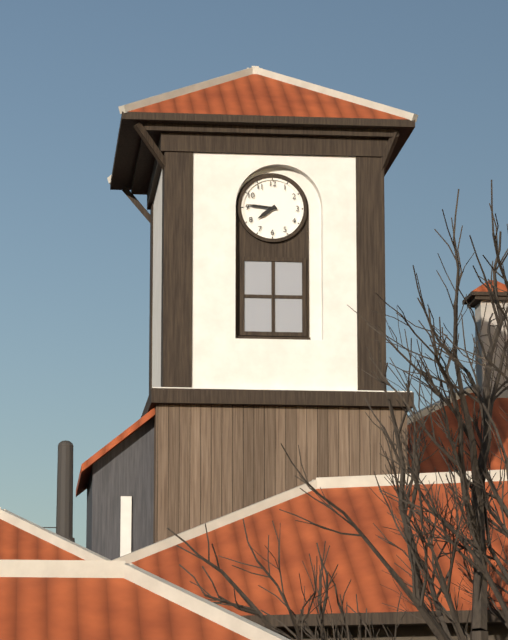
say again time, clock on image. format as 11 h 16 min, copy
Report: 7 h 46 min
